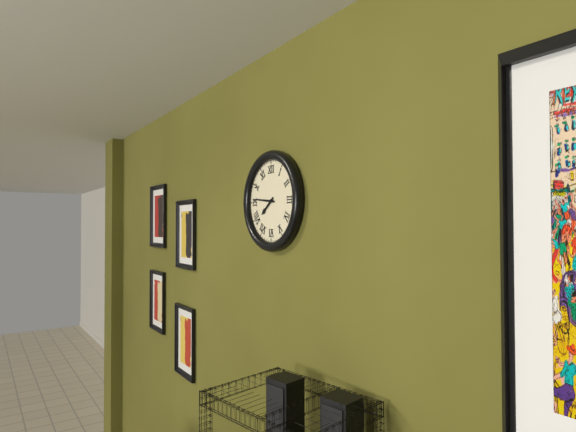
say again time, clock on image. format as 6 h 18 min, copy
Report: 7 h 46 min
